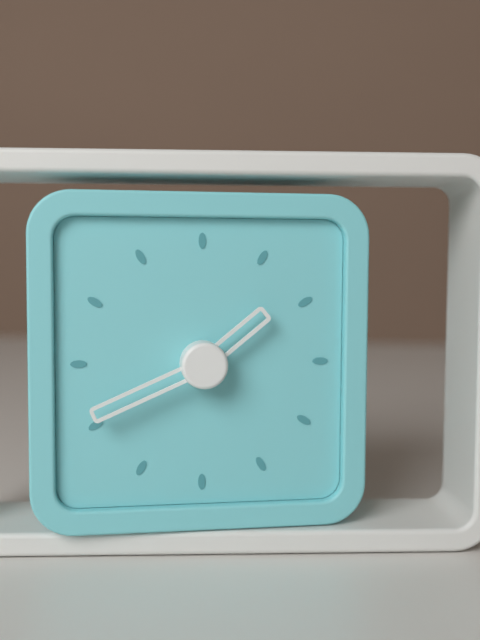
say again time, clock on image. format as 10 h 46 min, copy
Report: 1 h 41 min
